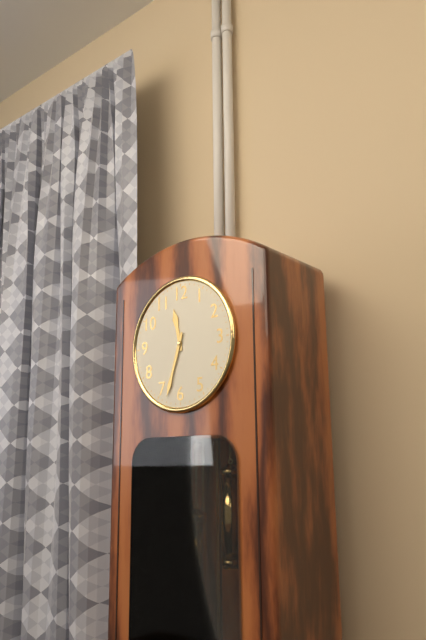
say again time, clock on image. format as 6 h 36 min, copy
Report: 11 h 33 min
